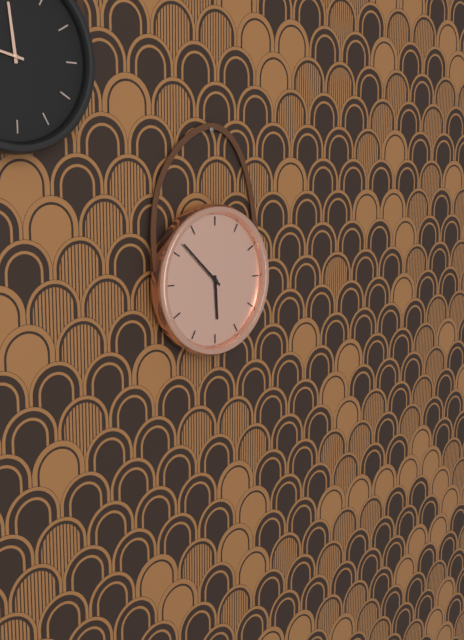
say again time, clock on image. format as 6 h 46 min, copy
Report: 5 h 52 min
